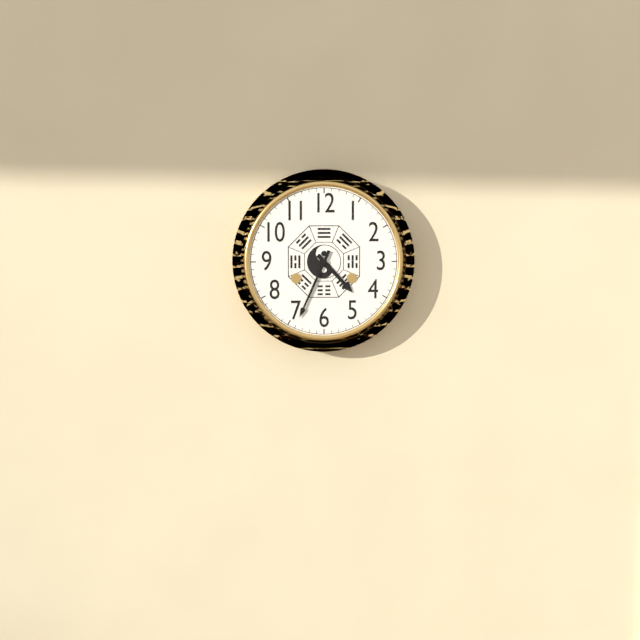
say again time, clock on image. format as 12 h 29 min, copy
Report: 4 h 34 min
